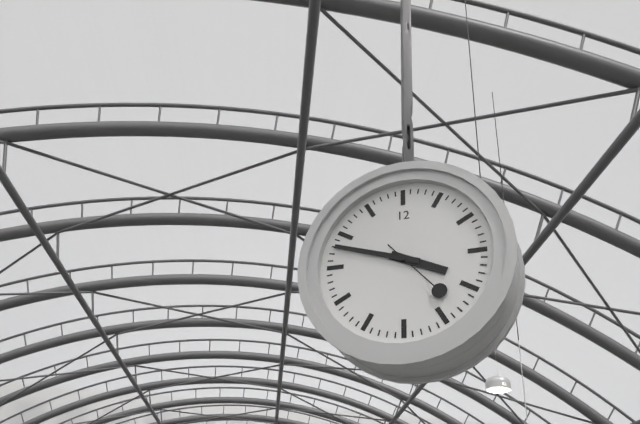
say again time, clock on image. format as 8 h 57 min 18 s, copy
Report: 3 h 48 min 23 s
